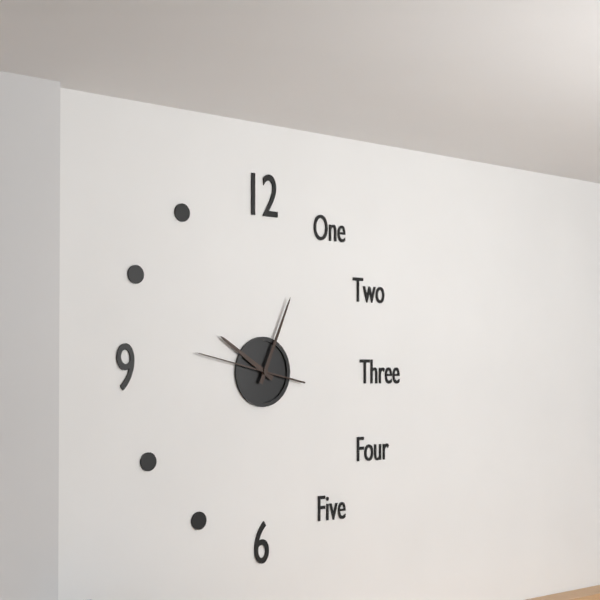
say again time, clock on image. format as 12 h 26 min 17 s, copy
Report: 10 h 04 min 47 s
